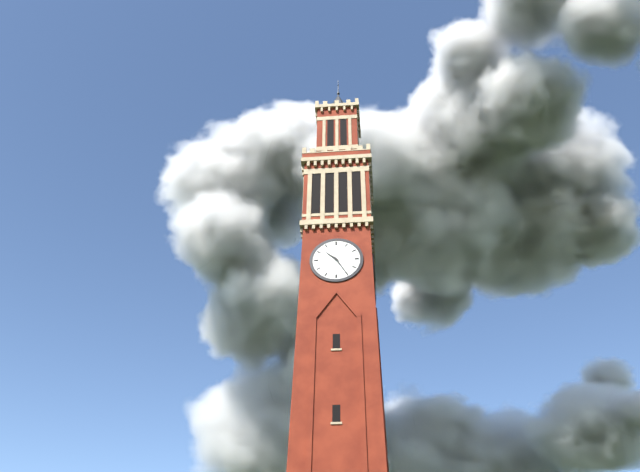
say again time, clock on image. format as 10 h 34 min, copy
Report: 10 h 25 min
